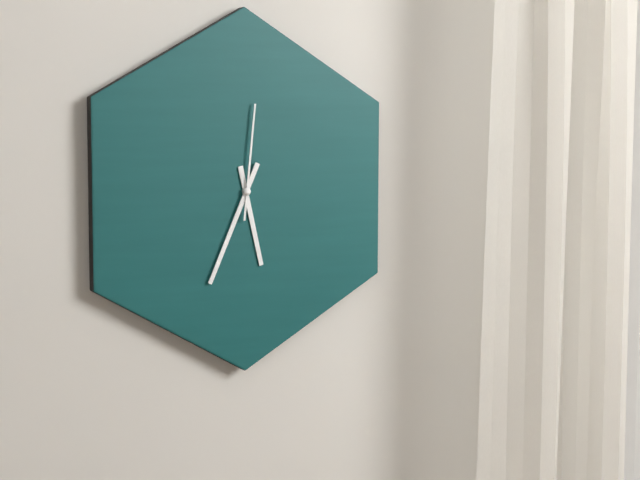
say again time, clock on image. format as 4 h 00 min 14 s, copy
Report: 5 h 34 min 01 s
